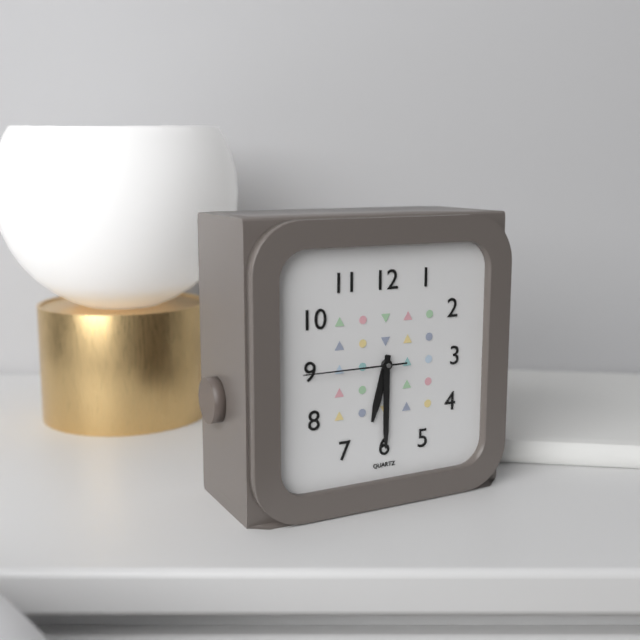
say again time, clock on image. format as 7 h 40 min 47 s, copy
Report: 6 h 30 min 45 s
